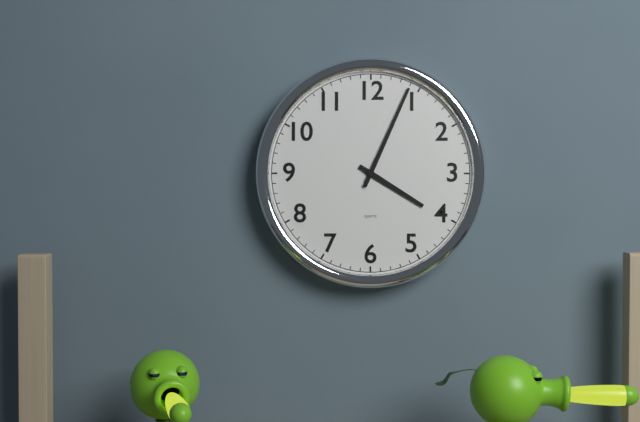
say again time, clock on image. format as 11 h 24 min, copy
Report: 4 h 04 min
